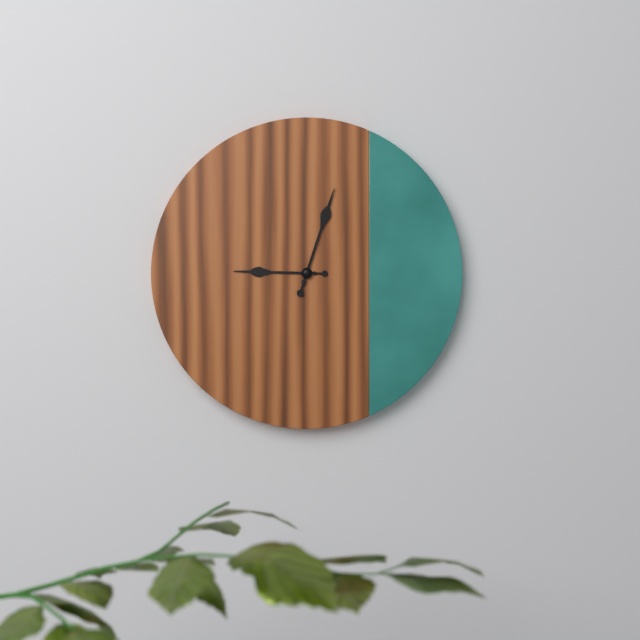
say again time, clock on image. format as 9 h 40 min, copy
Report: 9 h 03 min
